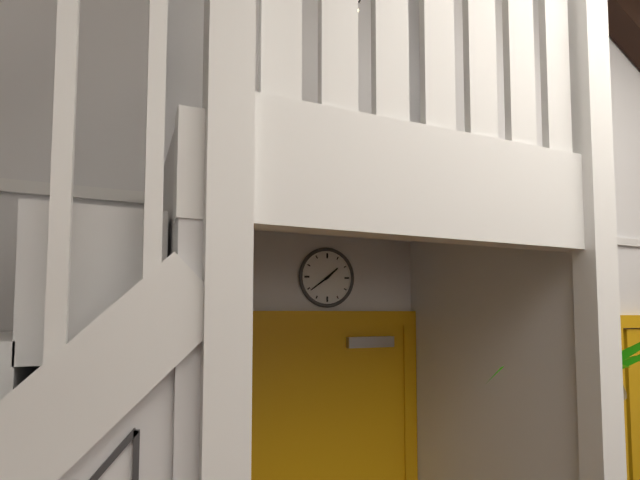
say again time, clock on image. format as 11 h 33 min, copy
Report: 1 h 39 min
